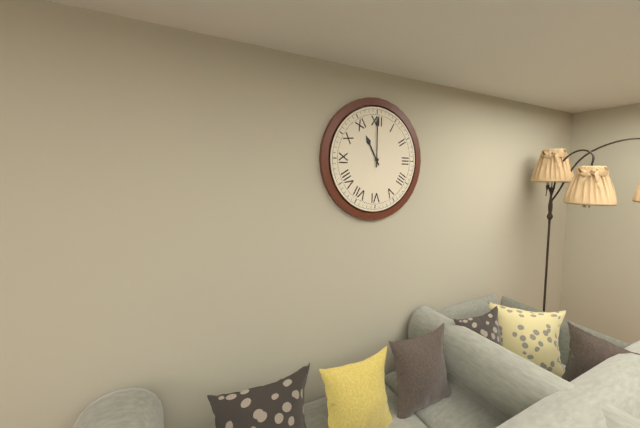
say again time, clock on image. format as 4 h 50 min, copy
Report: 11 h 00 min
